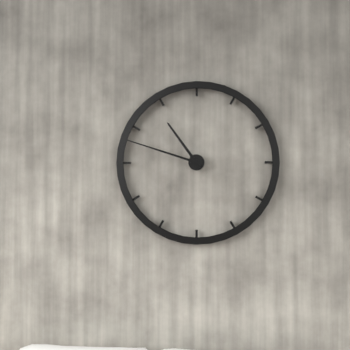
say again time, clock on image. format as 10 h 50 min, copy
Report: 10 h 48 min
